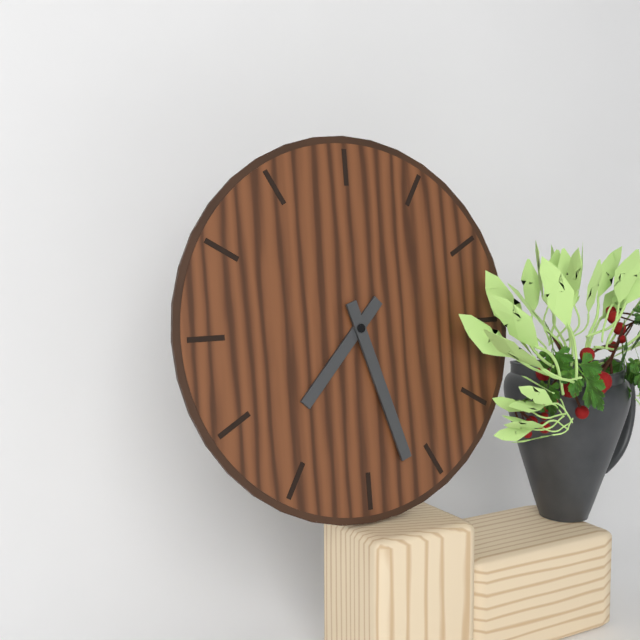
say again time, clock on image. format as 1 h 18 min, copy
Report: 7 h 27 min
